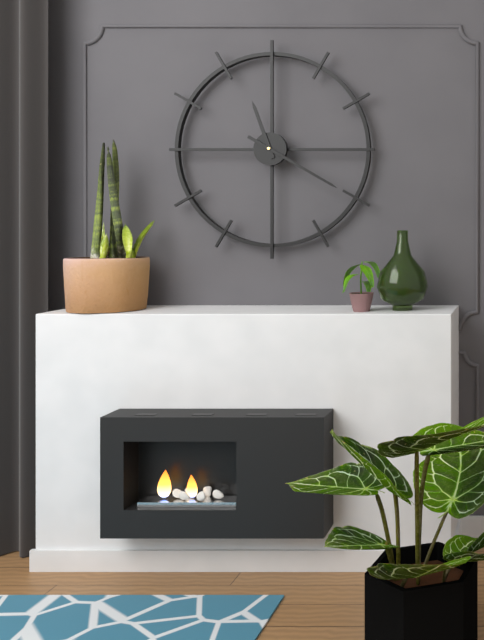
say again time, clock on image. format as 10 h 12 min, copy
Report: 11 h 20 min
